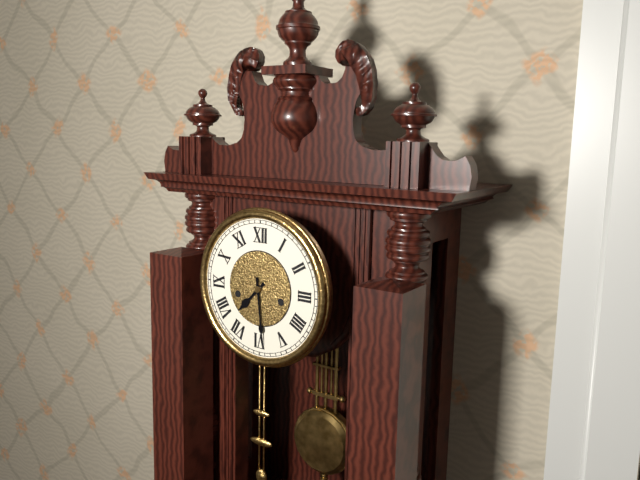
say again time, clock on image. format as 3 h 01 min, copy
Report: 7 h 29 min
